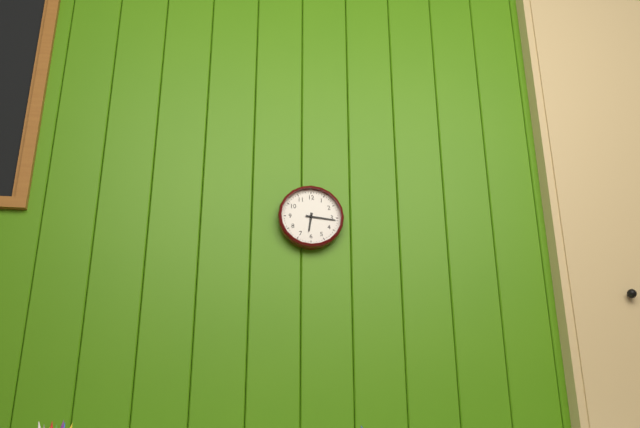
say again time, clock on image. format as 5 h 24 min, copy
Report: 6 h 16 min
